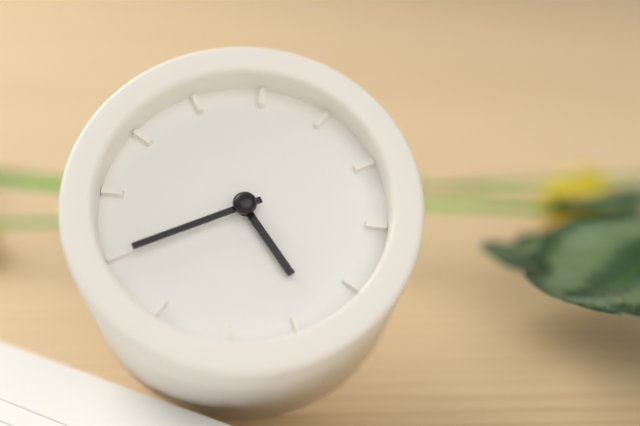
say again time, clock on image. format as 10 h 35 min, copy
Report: 4 h 40 min
